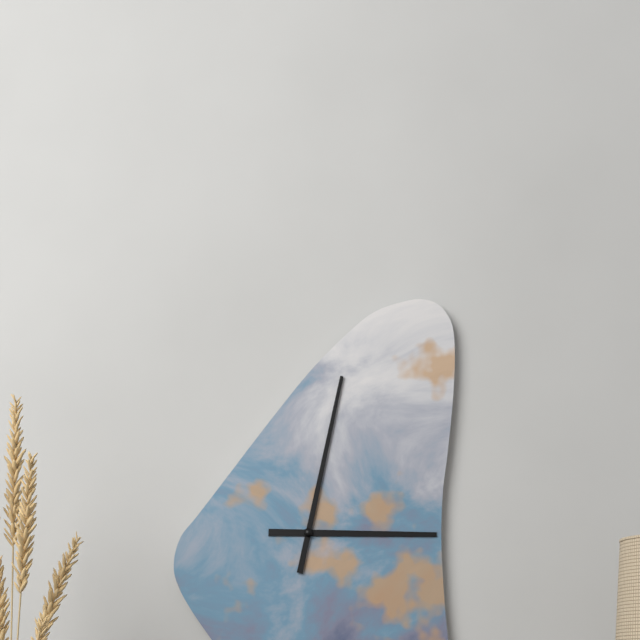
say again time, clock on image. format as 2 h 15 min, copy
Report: 3 h 02 min
